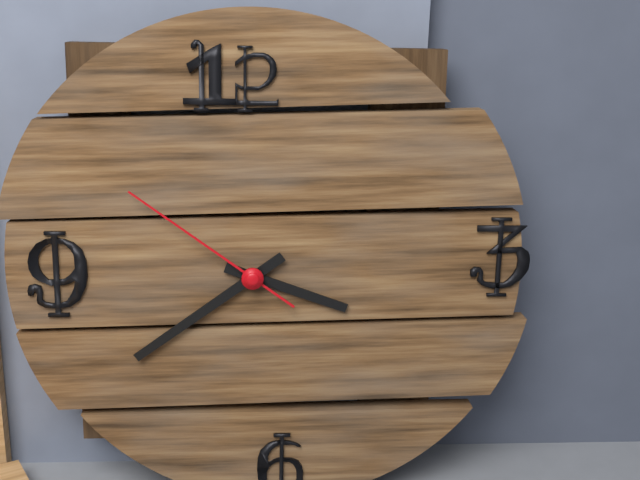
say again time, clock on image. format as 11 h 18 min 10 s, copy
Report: 3 h 39 min 51 s
